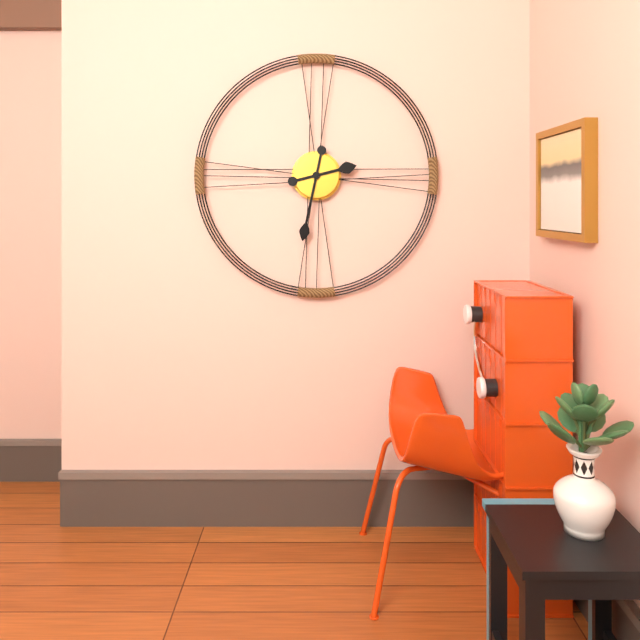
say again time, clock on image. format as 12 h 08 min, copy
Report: 2 h 32 min
